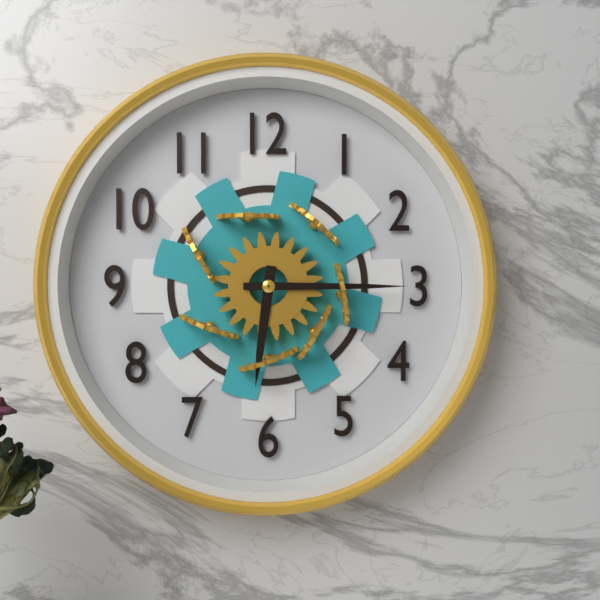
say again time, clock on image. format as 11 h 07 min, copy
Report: 6 h 15 min
